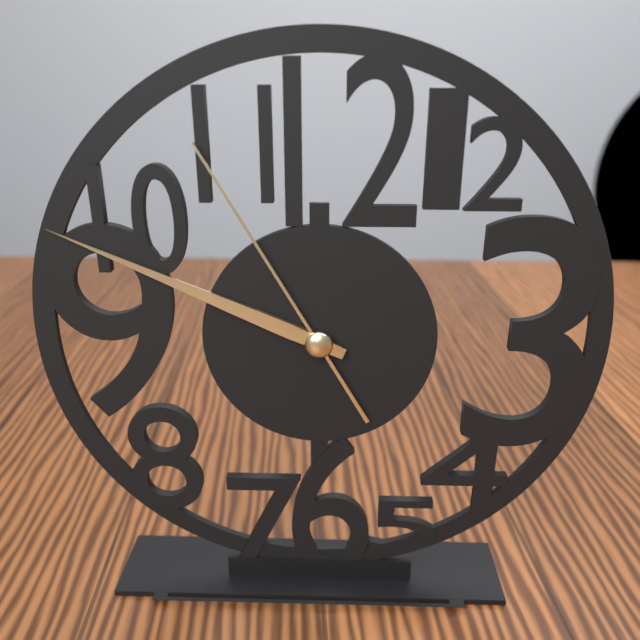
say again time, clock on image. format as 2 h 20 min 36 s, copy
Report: 9 h 49 min 55 s
